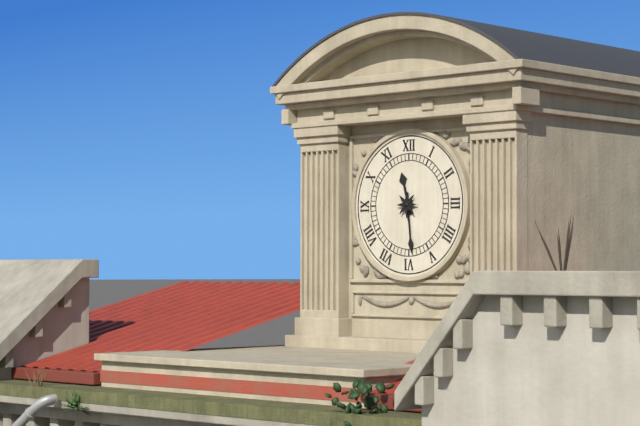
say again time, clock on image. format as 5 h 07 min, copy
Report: 11 h 29 min
